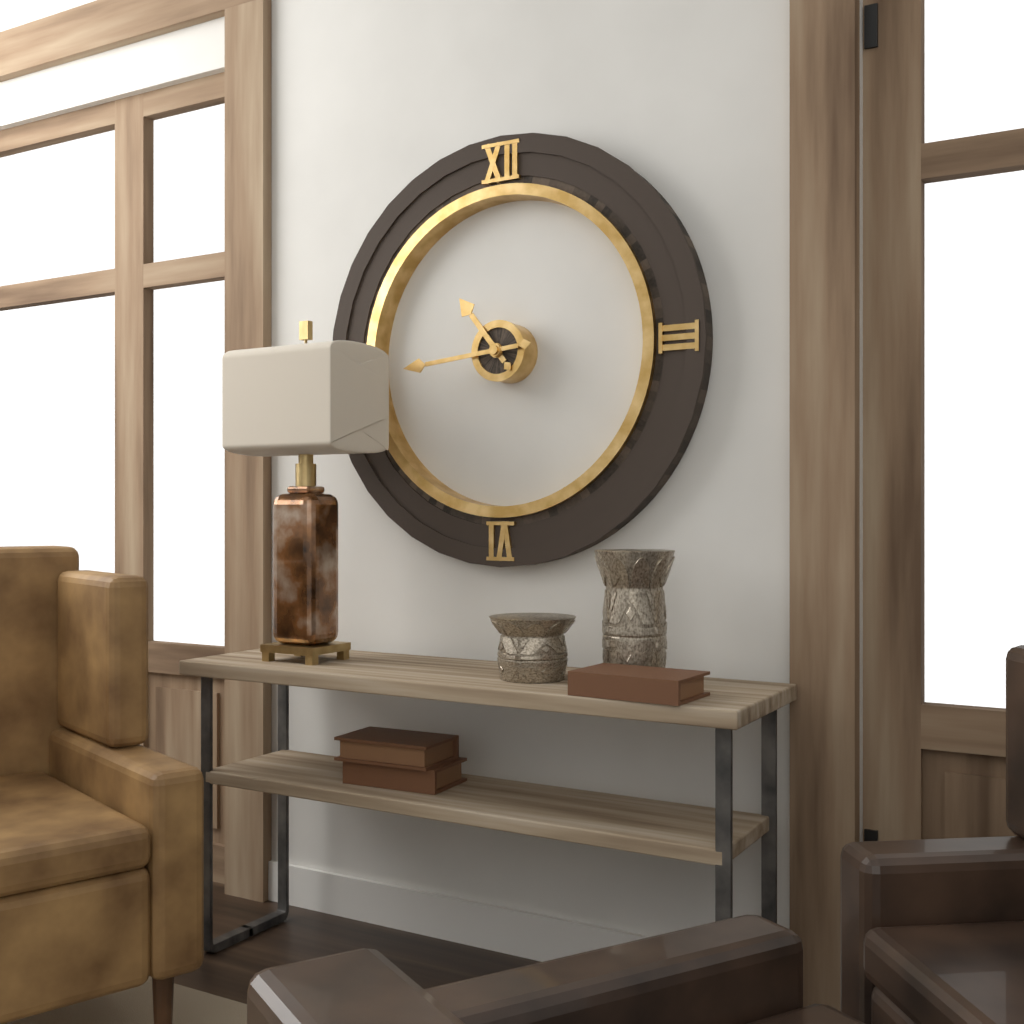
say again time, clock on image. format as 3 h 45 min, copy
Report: 10 h 44 min
